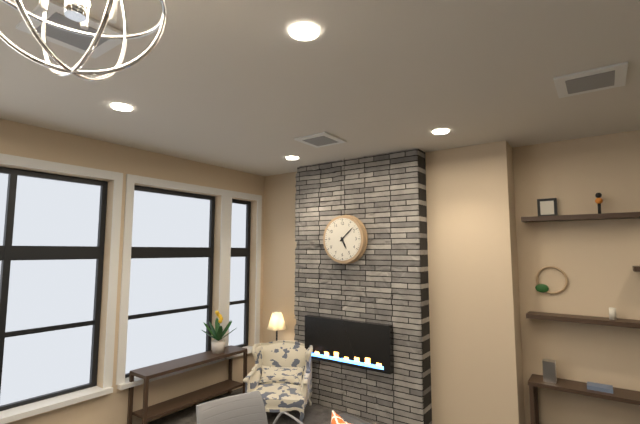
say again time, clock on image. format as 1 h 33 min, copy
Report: 5 h 08 min
